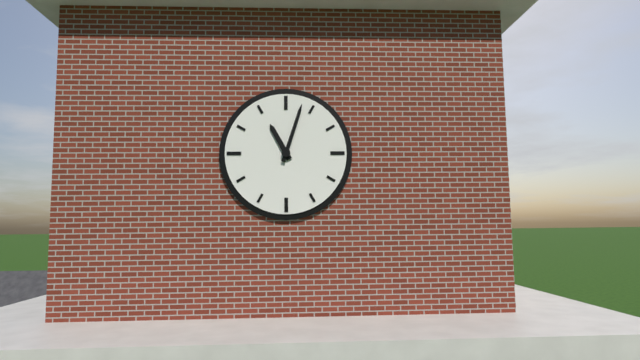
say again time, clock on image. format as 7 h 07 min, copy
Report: 11 h 03 min
